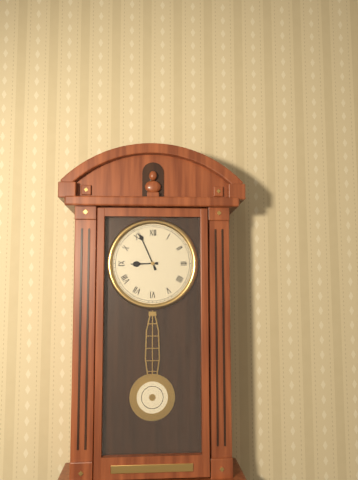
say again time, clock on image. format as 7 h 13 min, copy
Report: 8 h 56 min
